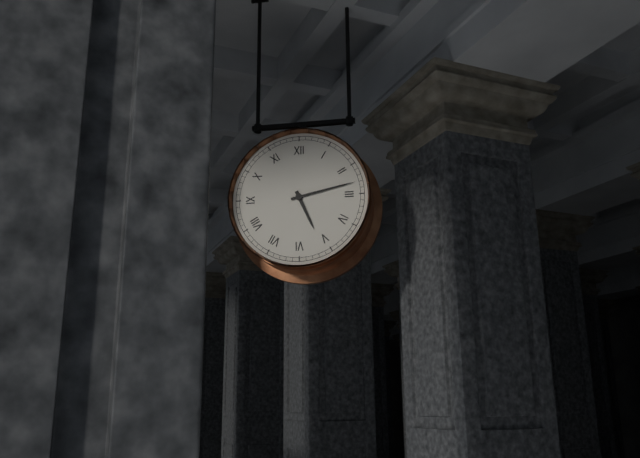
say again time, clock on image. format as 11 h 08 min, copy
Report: 5 h 13 min
